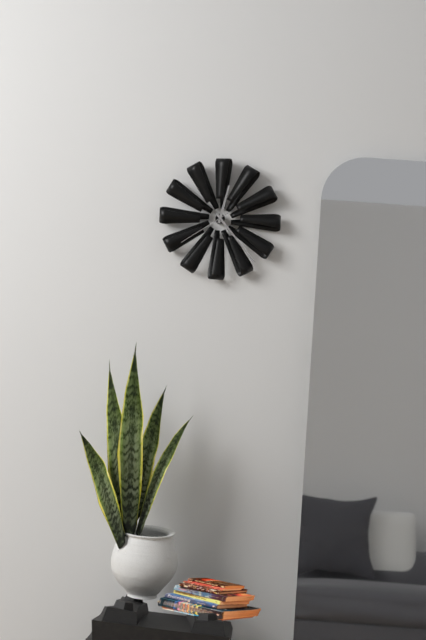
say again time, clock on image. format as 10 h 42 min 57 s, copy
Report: 12 h 23 min 39 s
